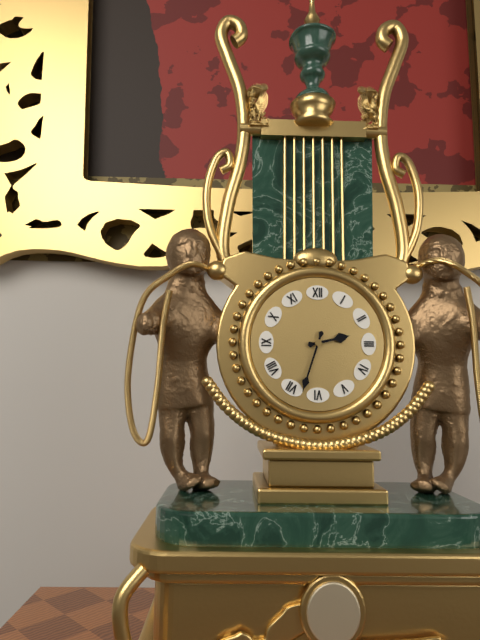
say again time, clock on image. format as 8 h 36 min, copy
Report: 2 h 33 min
